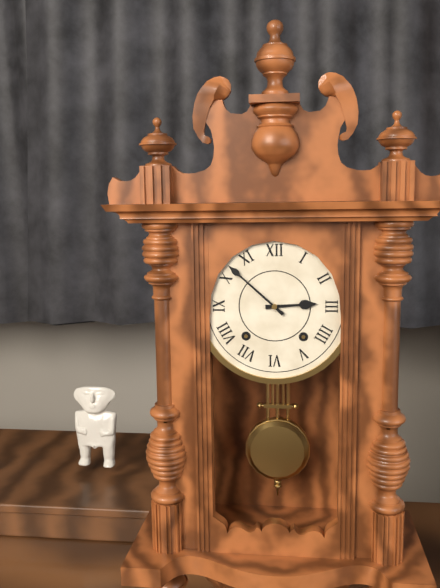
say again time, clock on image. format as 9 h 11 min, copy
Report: 2 h 52 min
